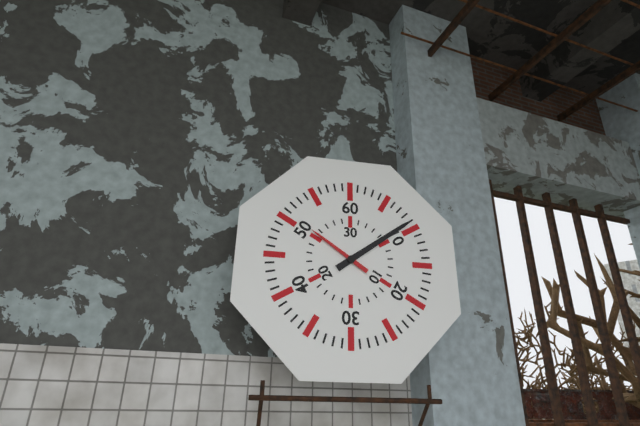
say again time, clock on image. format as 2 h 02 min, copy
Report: 10 h 09 min
